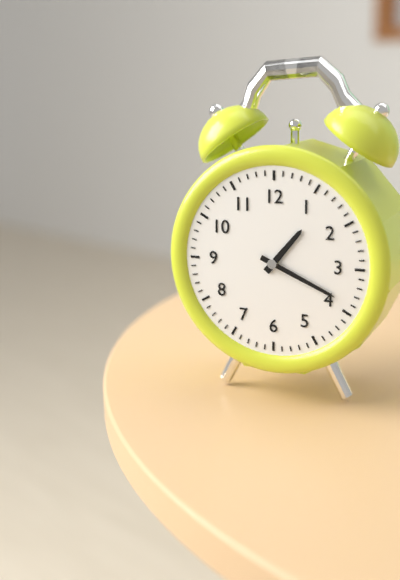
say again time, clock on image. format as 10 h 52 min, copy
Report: 1 h 19 min
